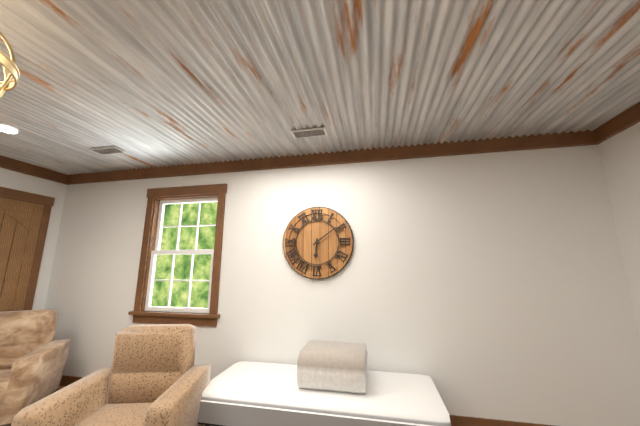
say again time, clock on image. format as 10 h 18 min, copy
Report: 6 h 09 min
